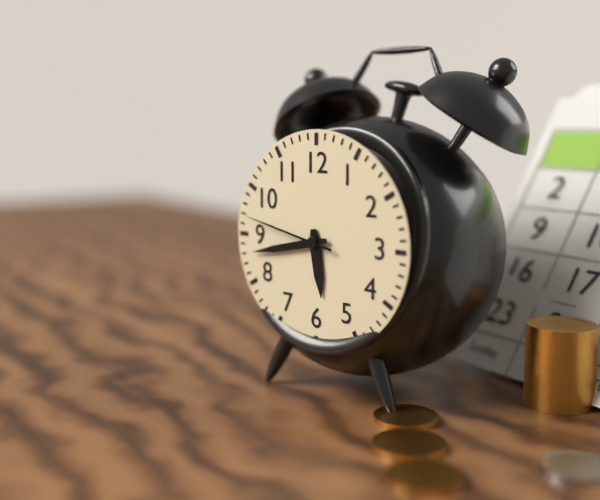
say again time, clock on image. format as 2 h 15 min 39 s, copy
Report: 5 h 43 min 47 s
